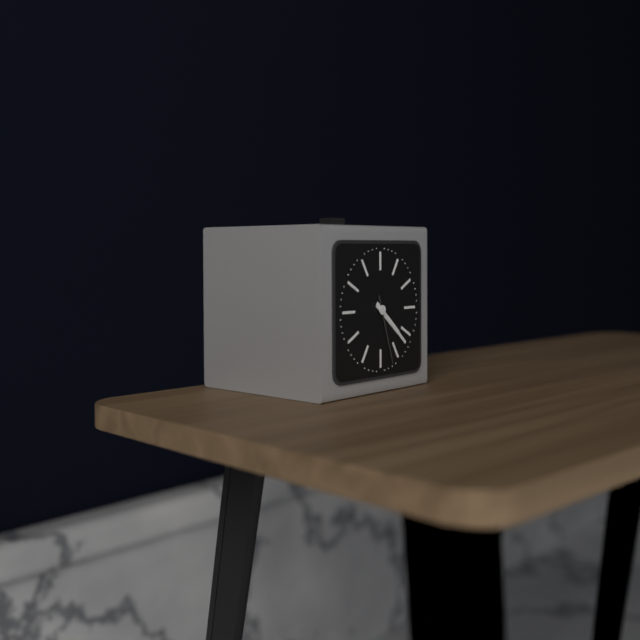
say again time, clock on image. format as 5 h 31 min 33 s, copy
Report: 4 h 22 min 27 s
